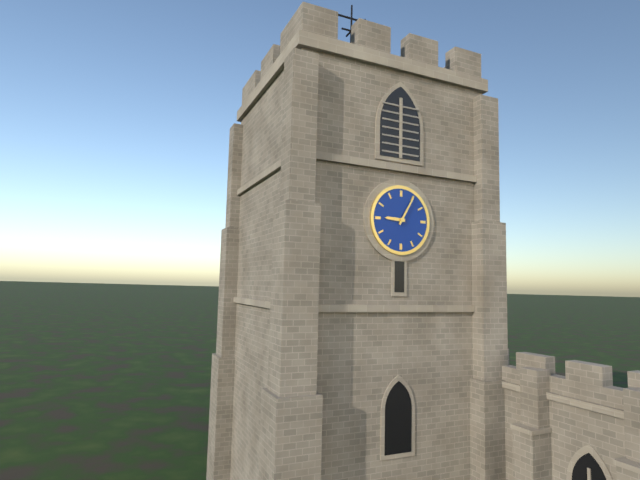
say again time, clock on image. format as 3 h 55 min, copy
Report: 9 h 05 min
